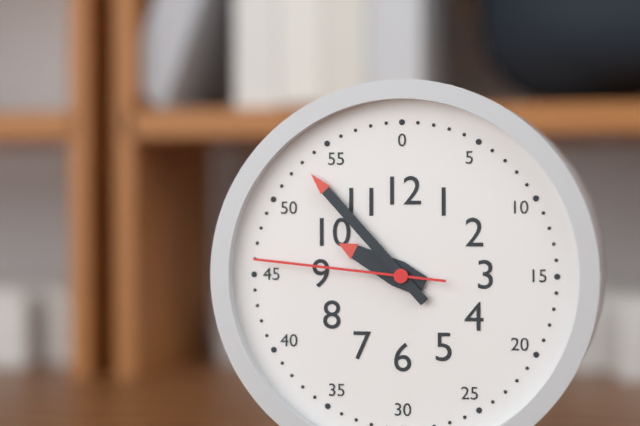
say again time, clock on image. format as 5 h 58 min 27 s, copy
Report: 9 h 53 min 46 s
